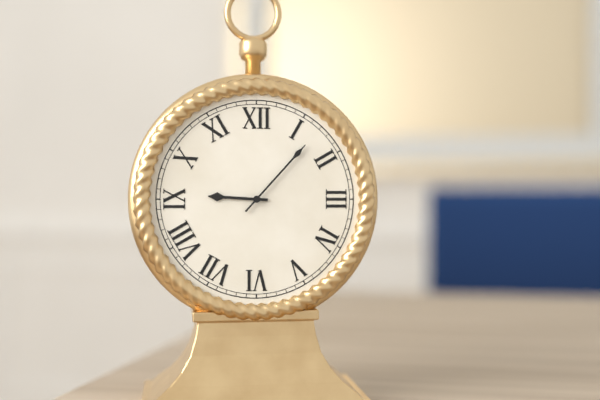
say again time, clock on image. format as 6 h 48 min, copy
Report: 9 h 07 min
